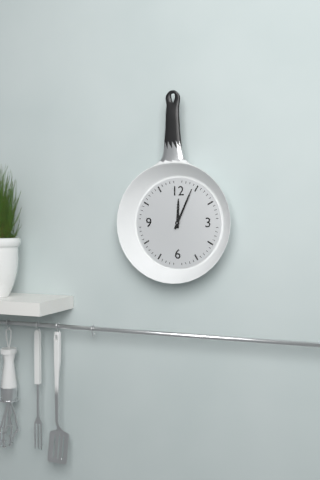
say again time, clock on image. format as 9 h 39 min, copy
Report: 12 h 04 min
